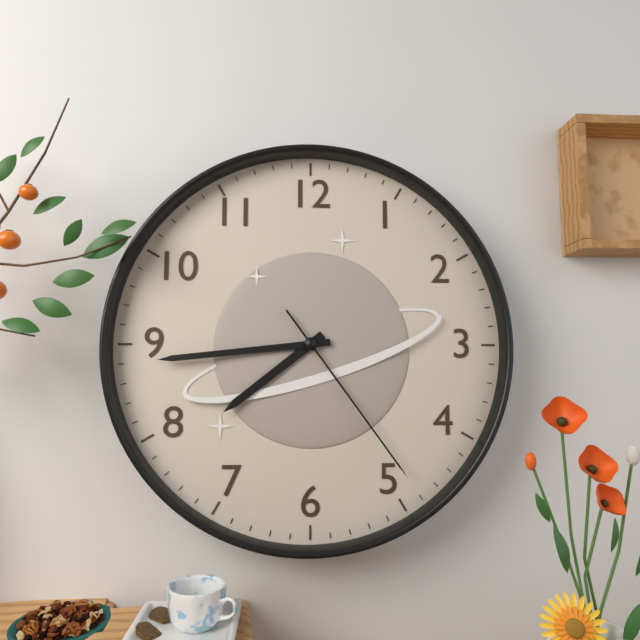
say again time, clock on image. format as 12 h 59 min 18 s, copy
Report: 7 h 44 min 24 s
